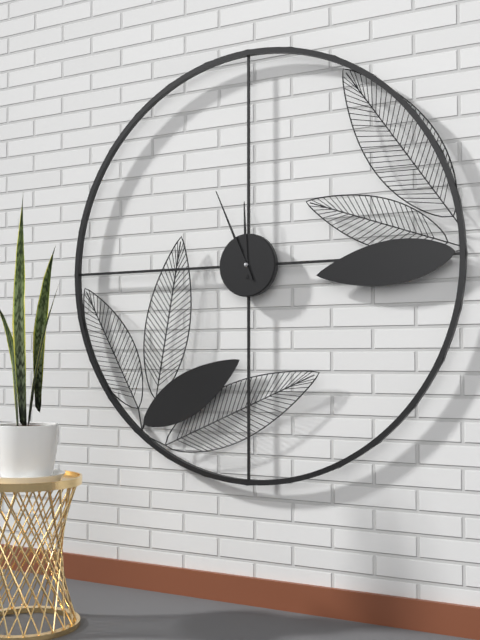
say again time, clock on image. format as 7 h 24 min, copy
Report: 11 h 56 min
